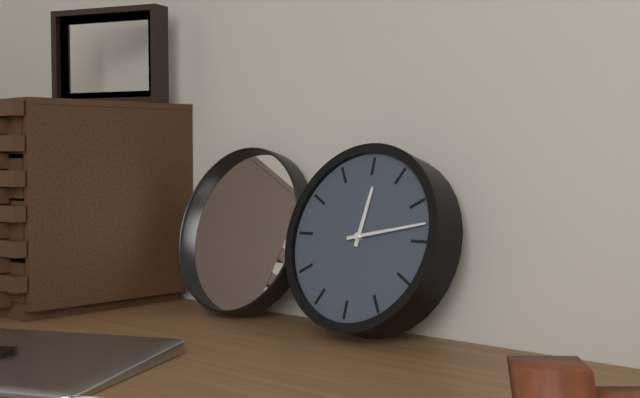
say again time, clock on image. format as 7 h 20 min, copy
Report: 12 h 13 min
